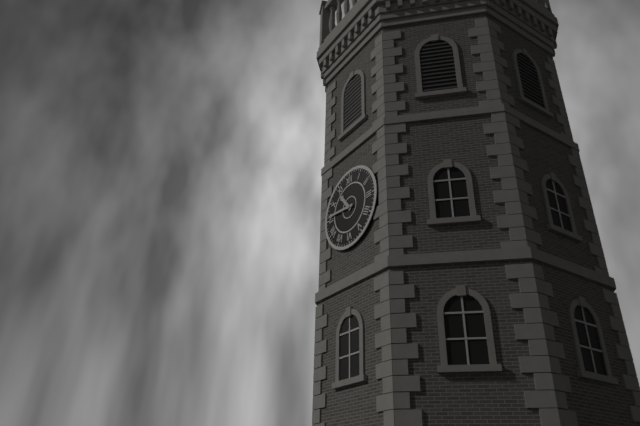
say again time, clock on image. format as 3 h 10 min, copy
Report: 10 h 46 min
